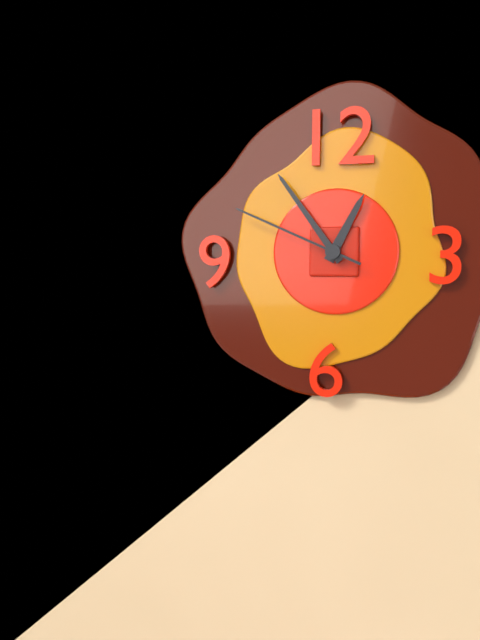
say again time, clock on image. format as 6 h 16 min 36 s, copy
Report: 12 h 54 min 49 s
